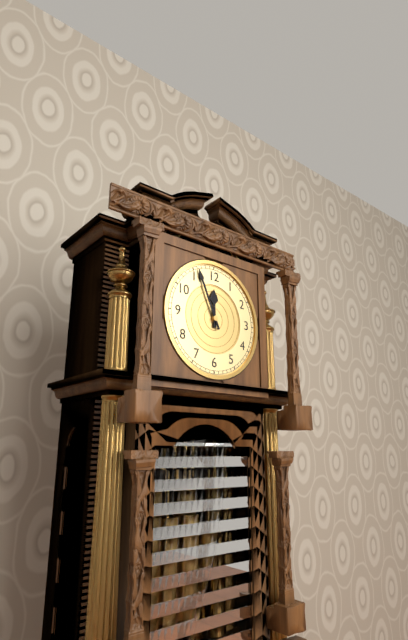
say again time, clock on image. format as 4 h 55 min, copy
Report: 11 h 56 min
